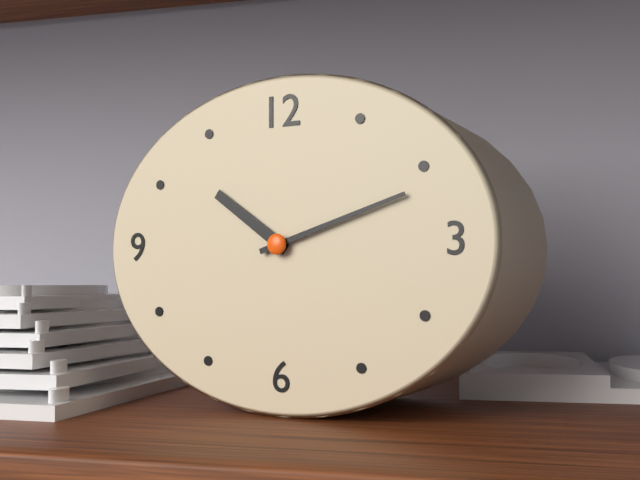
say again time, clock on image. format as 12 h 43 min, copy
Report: 10 h 12 min
